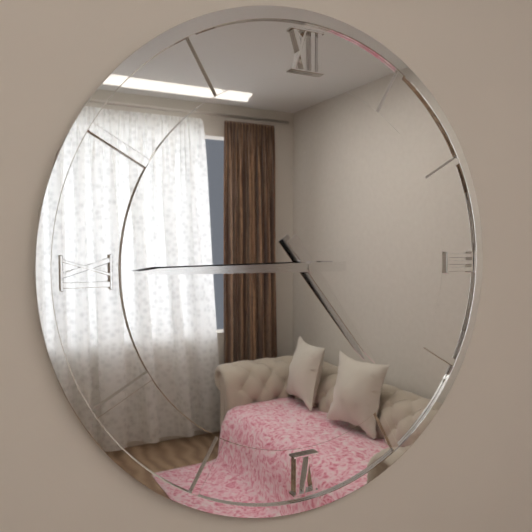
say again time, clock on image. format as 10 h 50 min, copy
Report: 4 h 45 min
